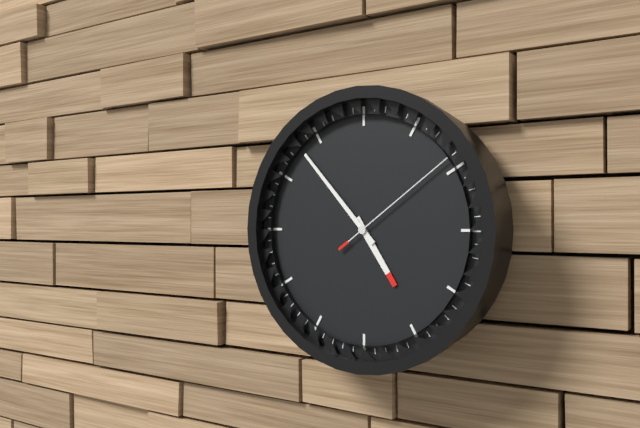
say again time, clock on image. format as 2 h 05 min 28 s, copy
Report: 4 h 53 min 09 s
